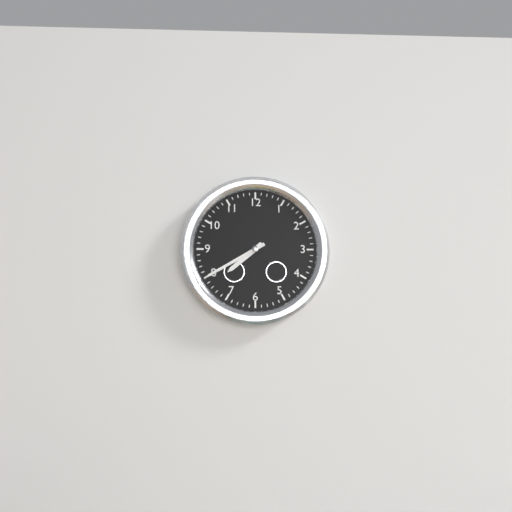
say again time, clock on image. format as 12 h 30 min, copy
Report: 7 h 40 min
